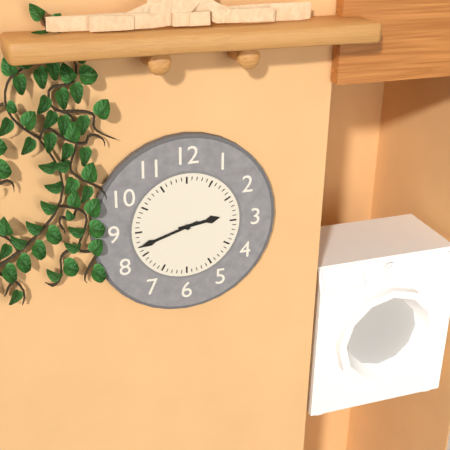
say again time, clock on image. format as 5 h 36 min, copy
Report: 2 h 42 min
